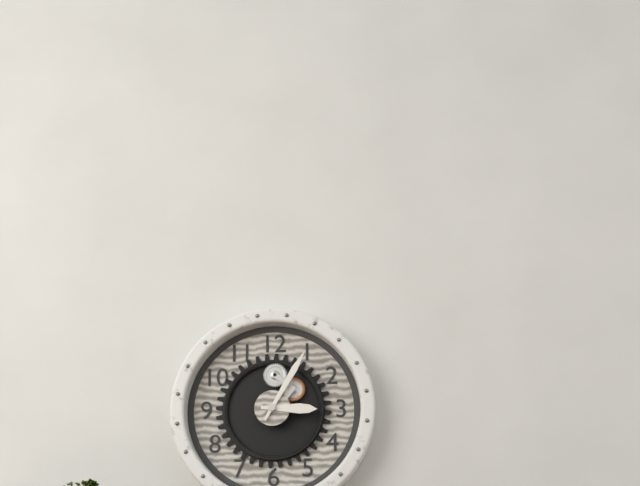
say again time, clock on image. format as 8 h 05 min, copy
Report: 3 h 05 min
